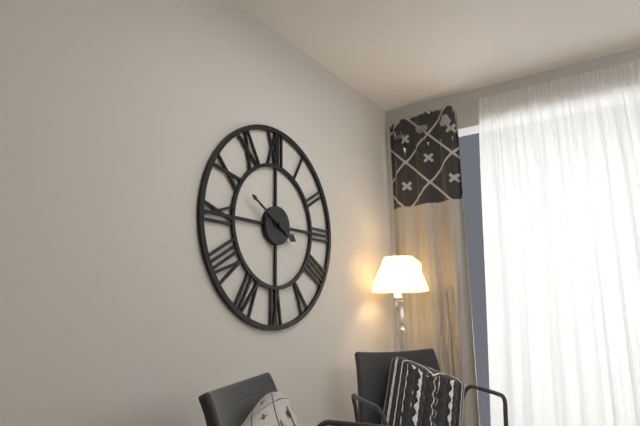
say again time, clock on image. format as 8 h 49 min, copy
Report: 3 h 50 min
